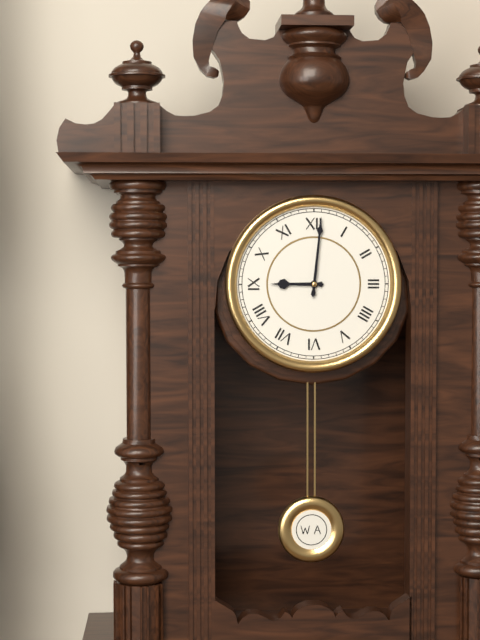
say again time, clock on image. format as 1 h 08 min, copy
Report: 9 h 01 min
